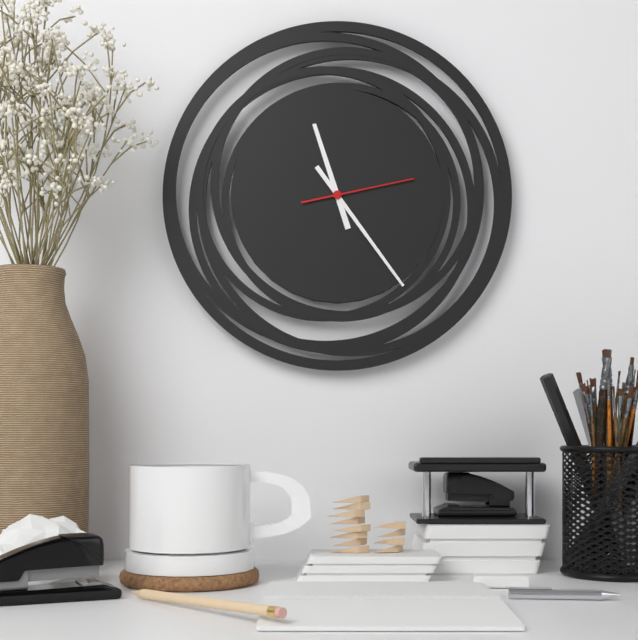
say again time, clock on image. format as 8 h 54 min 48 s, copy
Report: 11 h 24 min 13 s
